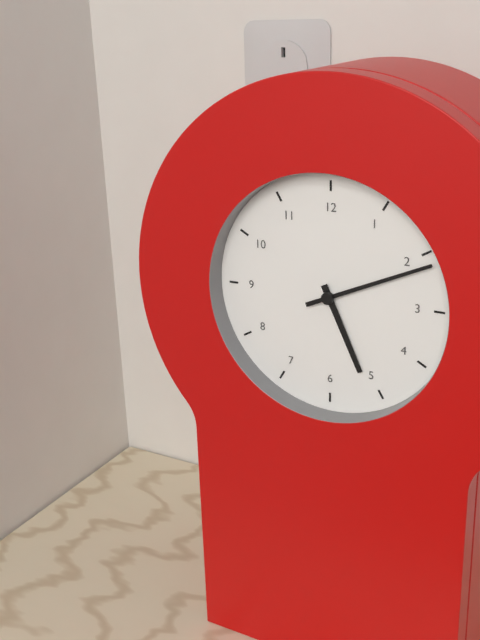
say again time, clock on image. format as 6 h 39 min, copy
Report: 5 h 11 min
